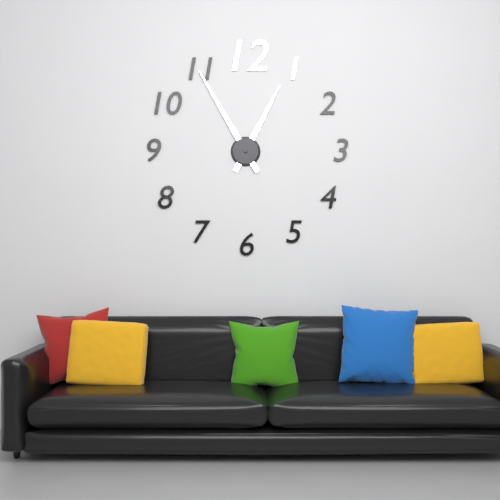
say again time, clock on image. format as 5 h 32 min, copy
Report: 12 h 55 min
